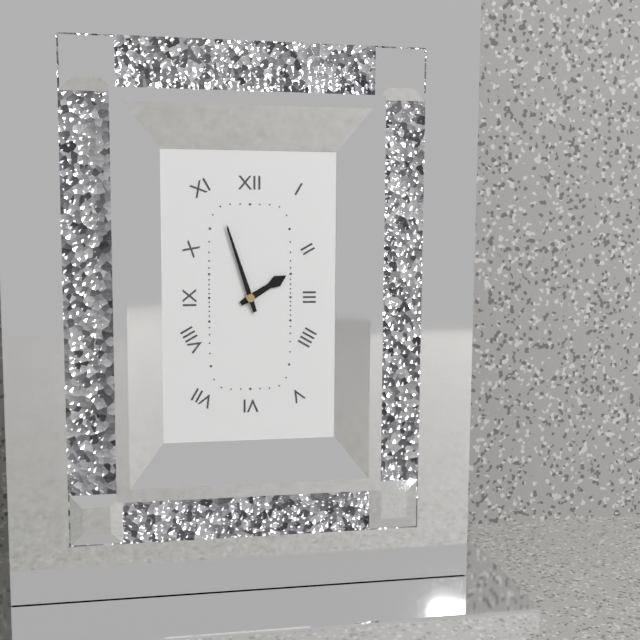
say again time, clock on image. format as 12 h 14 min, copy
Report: 1 h 57 min
